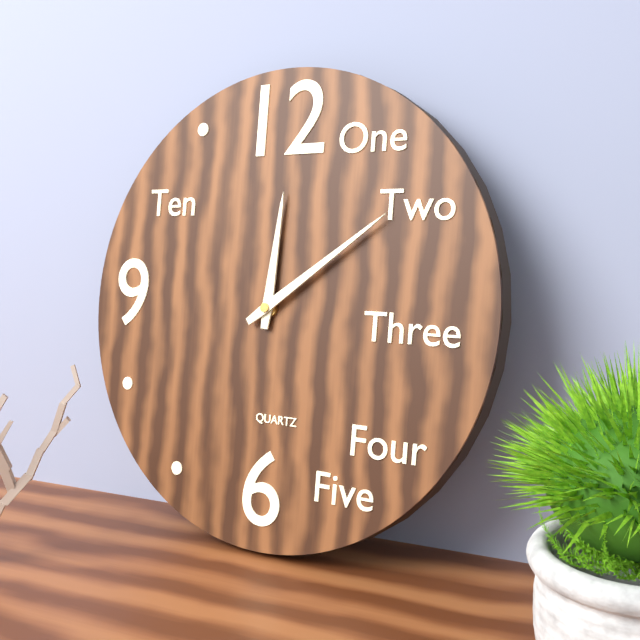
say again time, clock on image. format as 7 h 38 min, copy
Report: 12 h 09 min
